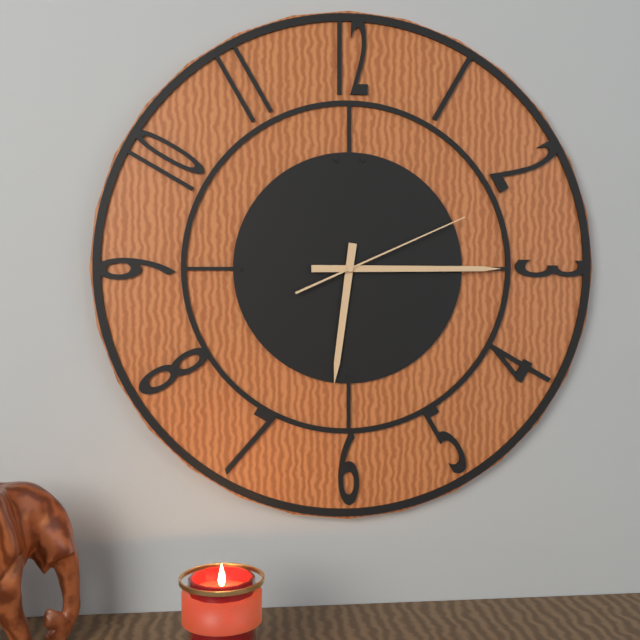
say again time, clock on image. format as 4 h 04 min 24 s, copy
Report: 6 h 15 min 11 s
